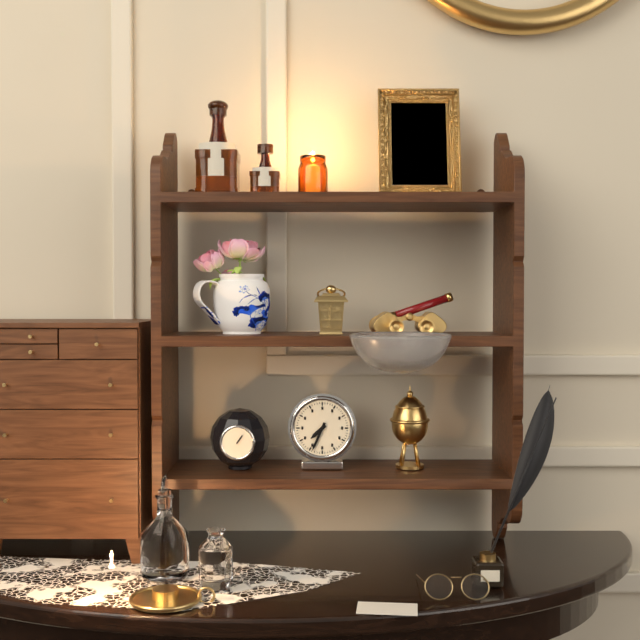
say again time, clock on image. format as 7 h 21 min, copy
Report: 7 h 34 min
